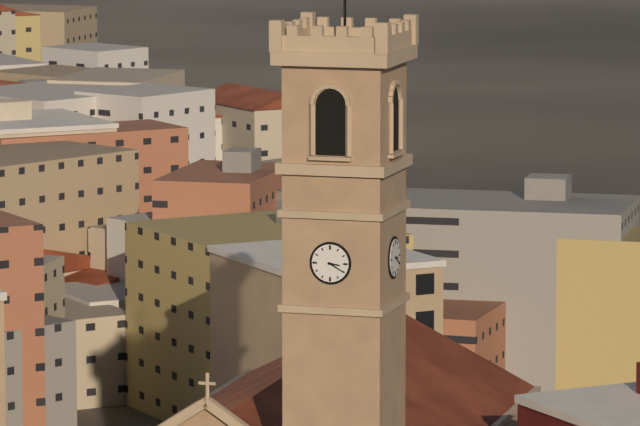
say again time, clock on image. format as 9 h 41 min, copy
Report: 3 h 20 min
